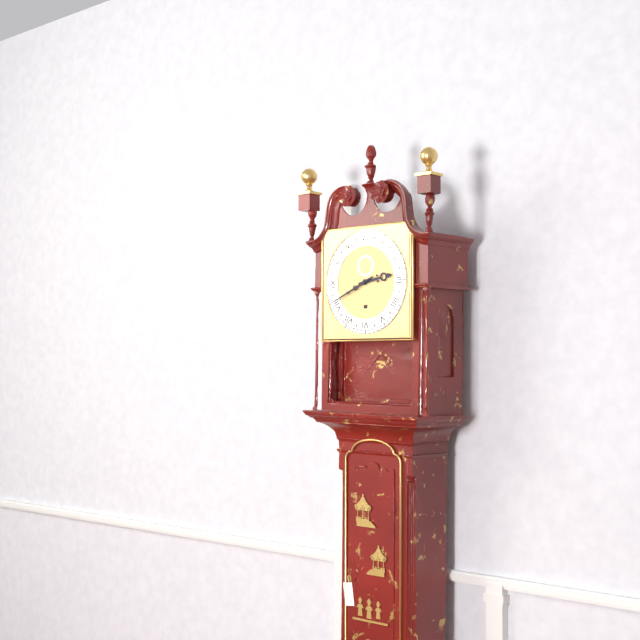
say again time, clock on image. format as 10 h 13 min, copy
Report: 2 h 41 min
